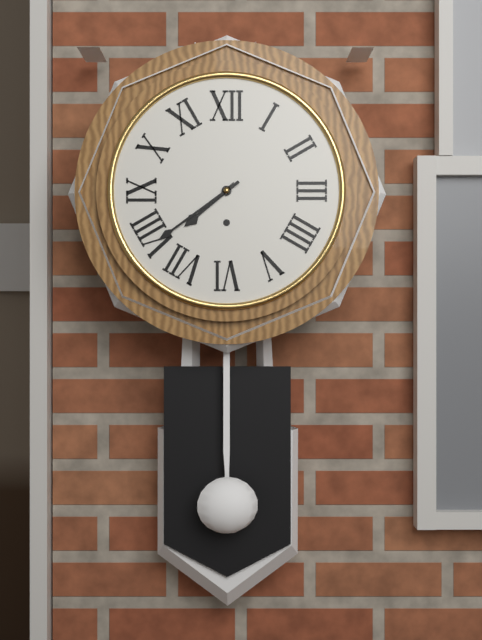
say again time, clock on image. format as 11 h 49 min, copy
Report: 7 h 39 min
